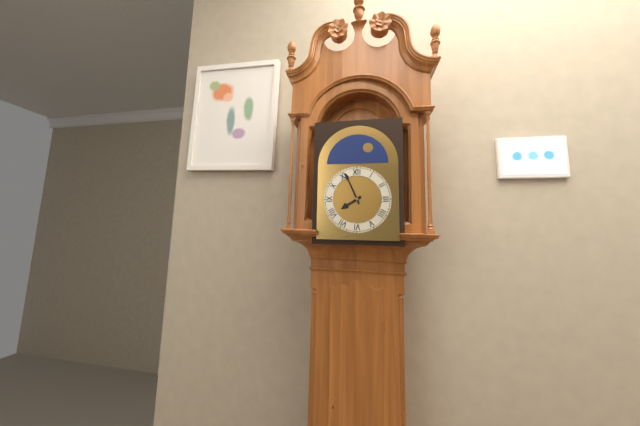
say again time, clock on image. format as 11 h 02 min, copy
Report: 7 h 56 min
